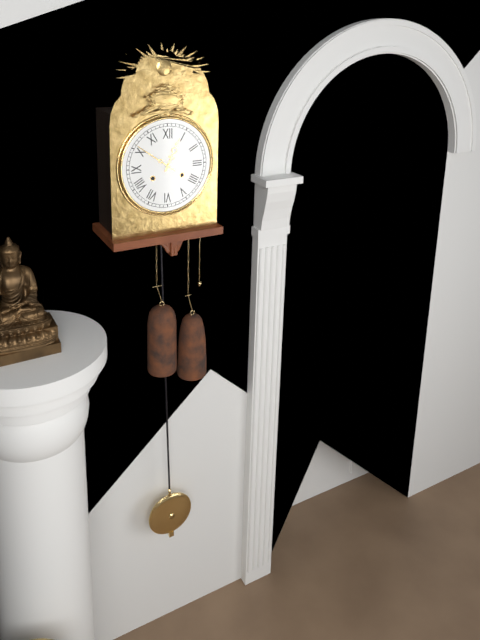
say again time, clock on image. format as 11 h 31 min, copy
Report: 12 h 51 min
